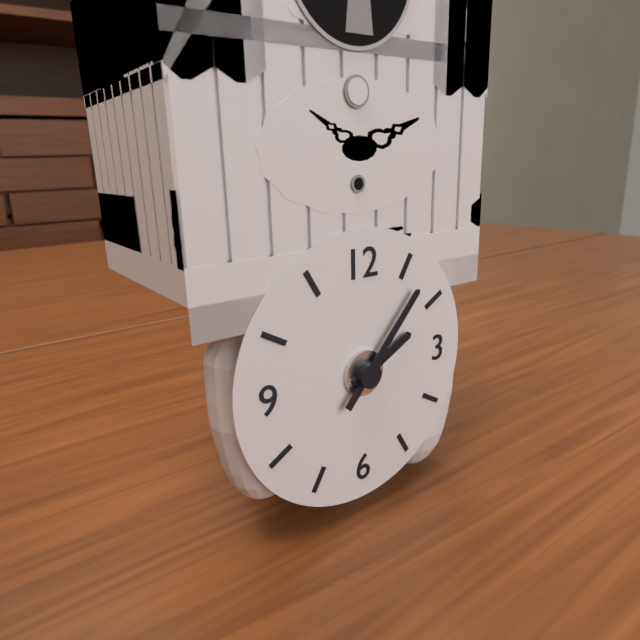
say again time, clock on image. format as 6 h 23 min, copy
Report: 2 h 07 min
